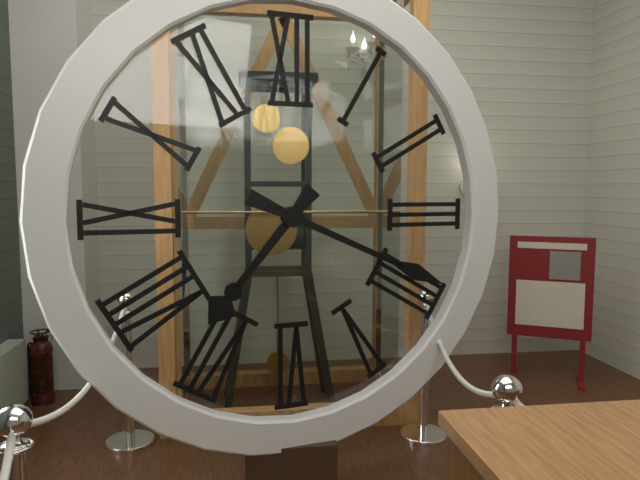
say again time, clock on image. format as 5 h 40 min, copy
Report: 7 h 19 min
